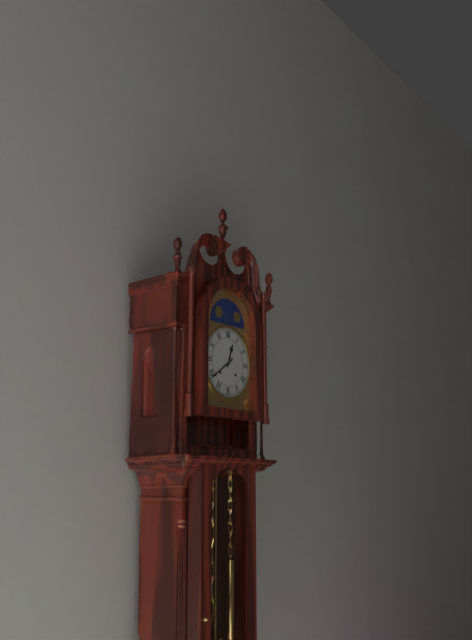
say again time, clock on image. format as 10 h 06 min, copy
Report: 12 h 39 min
